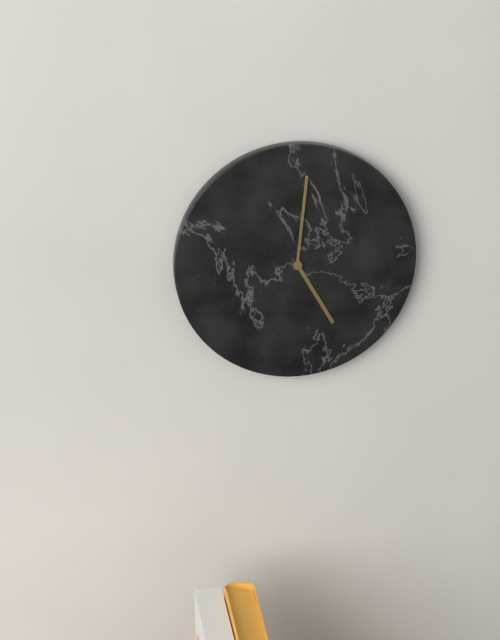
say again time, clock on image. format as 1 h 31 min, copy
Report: 5 h 01 min
